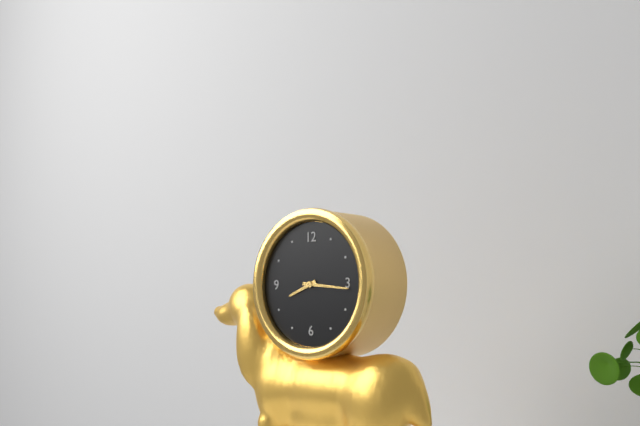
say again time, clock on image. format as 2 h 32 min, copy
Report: 8 h 16 min
